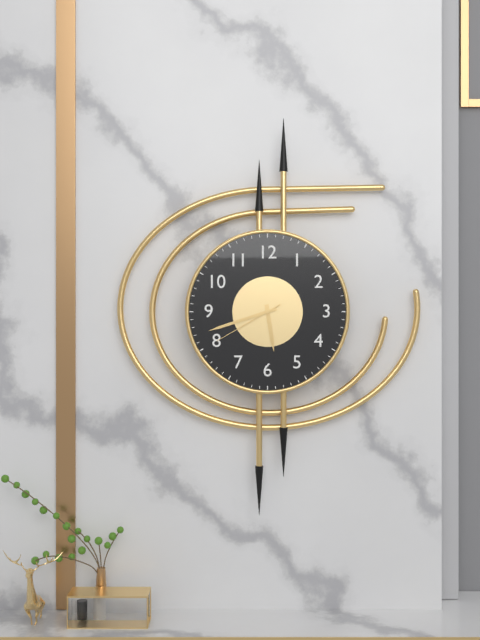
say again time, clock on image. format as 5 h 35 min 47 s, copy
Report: 5 h 42 min 40 s
